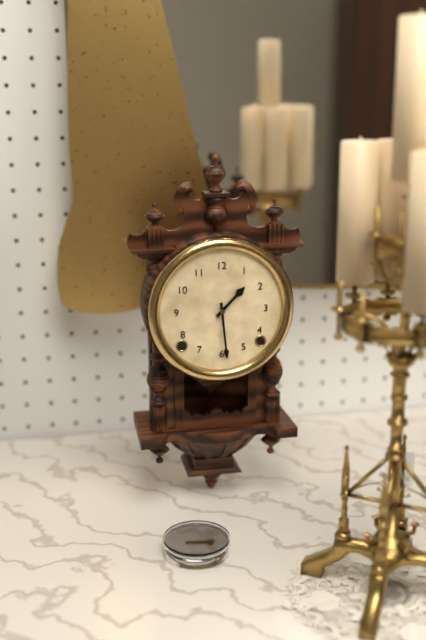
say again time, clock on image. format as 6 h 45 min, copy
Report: 1 h 29 min
